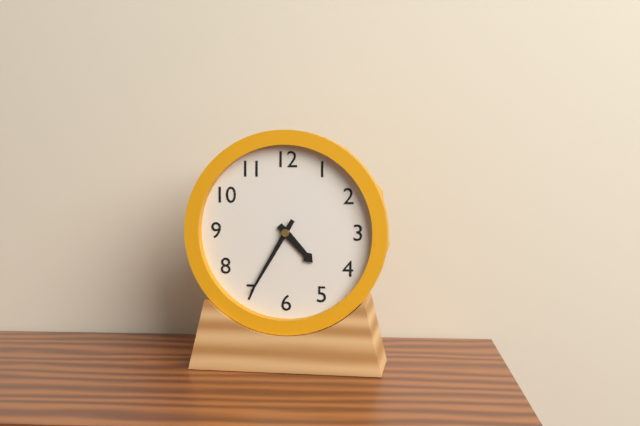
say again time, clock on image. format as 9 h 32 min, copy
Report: 4 h 35 min
